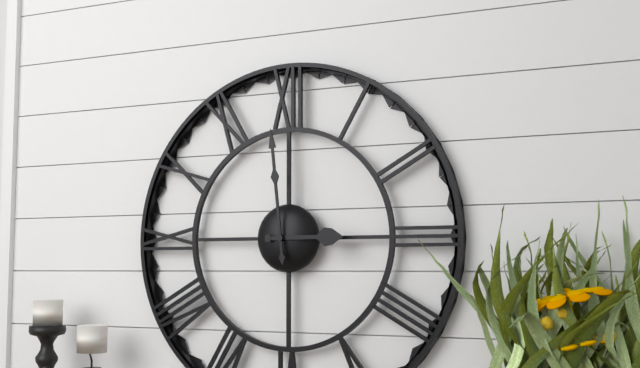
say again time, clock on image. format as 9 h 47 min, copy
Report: 2 h 59 min
